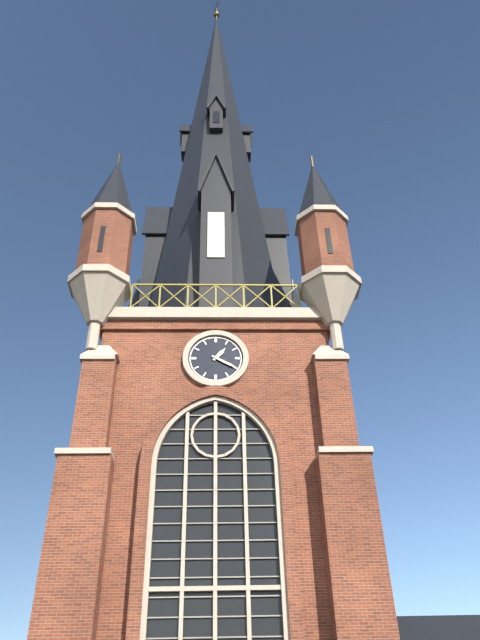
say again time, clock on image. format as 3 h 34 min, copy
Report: 1 h 20 min
